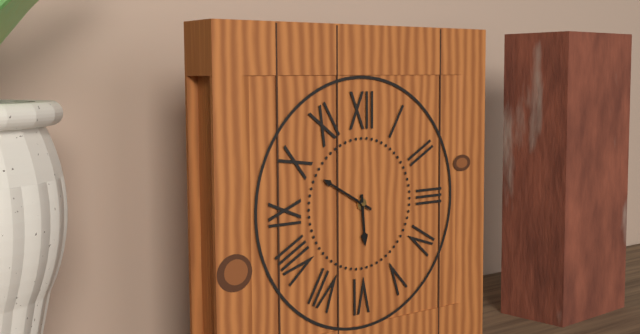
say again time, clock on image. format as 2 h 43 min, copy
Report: 5 h 50 min
